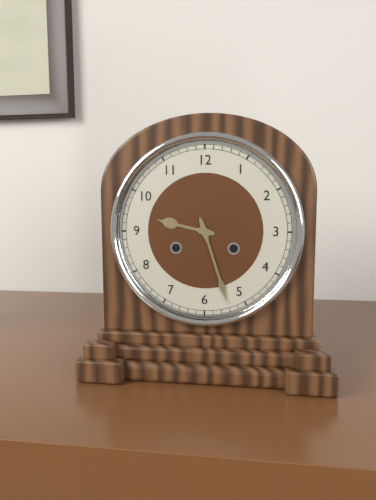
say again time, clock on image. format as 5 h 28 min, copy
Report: 9 h 27 min
